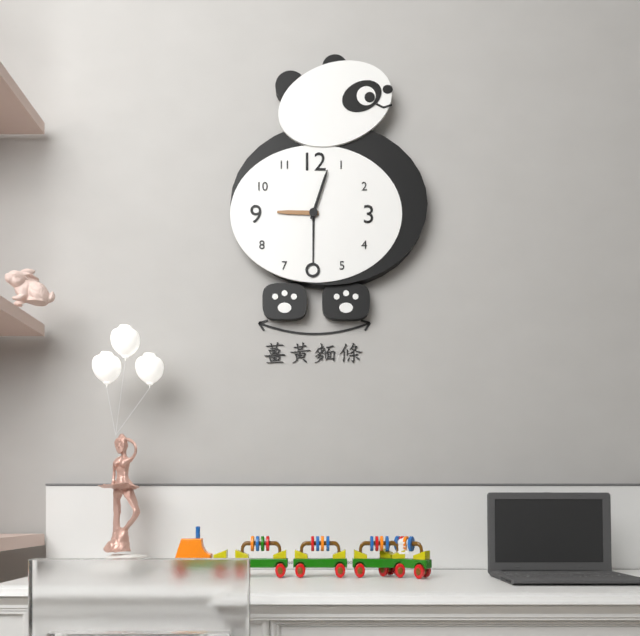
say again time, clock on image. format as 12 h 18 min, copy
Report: 9 h 03 min
